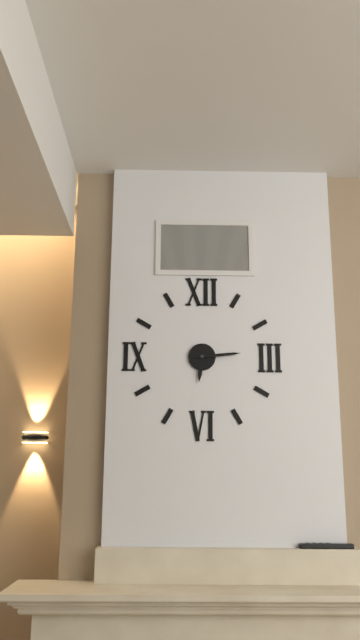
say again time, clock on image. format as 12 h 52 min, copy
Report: 6 h 14 min
